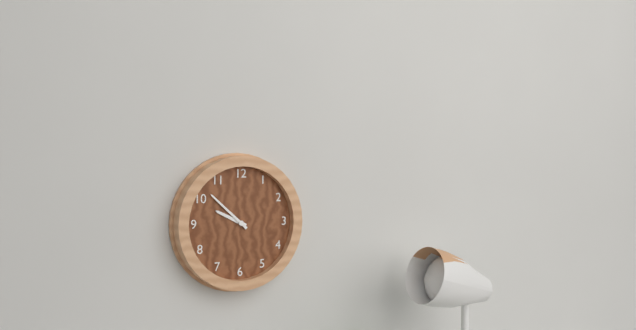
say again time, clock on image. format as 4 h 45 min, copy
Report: 9 h 52 min
